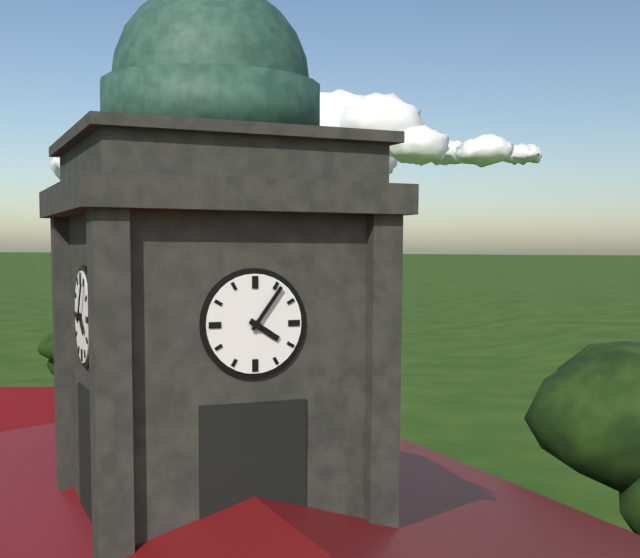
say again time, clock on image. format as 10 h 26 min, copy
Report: 4 h 06 min
